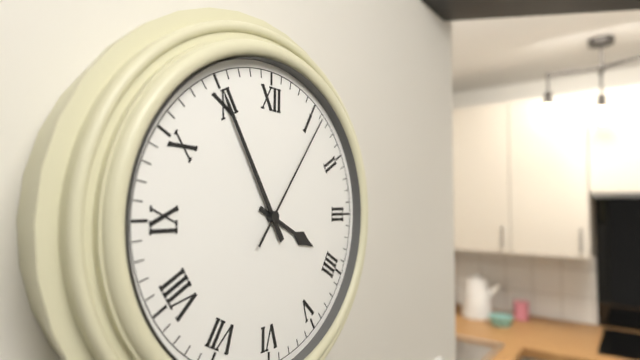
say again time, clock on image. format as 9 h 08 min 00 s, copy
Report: 3 h 55 min 06 s
